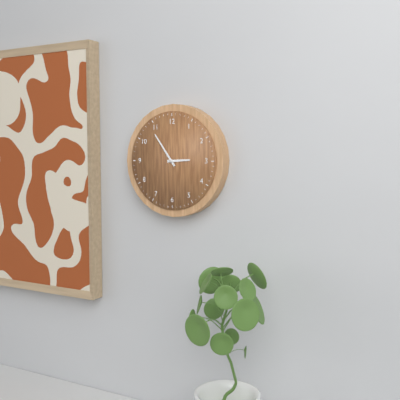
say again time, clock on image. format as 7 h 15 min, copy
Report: 2 h 54 min
